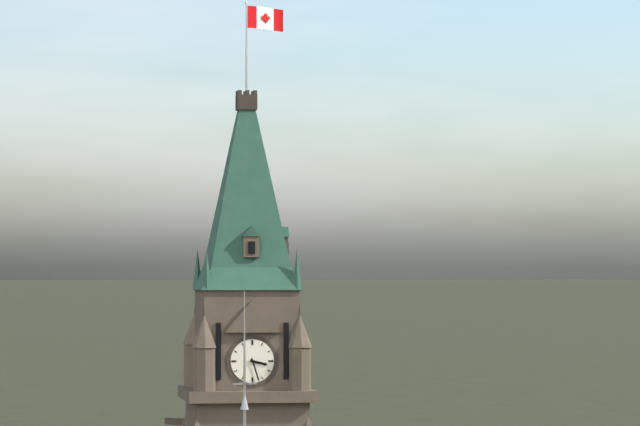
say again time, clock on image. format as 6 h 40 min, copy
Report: 3 h 27 min
